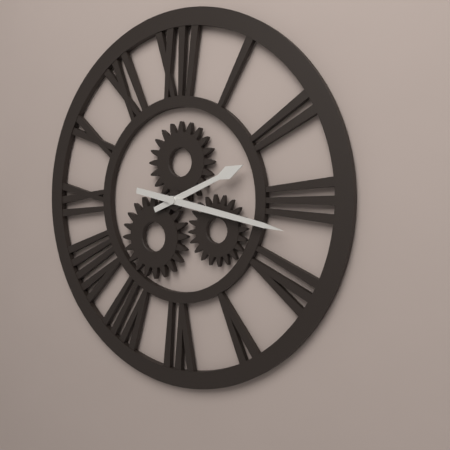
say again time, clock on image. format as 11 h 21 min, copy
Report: 2 h 17 min
